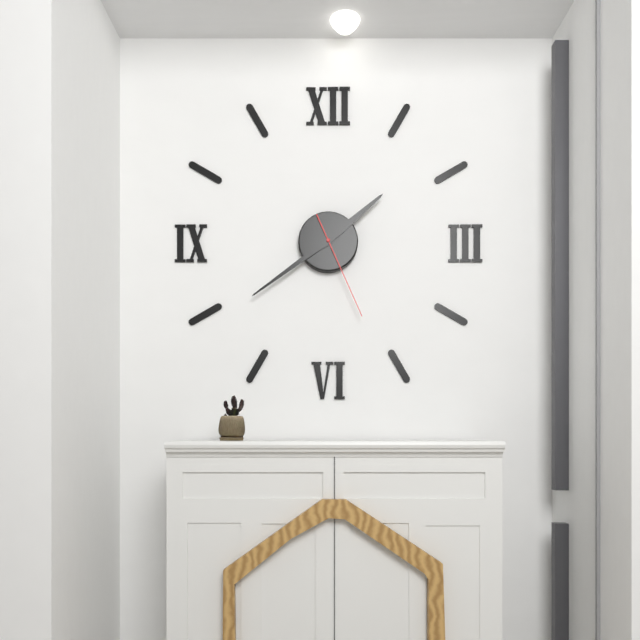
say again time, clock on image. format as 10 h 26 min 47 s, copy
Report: 1 h 39 min 26 s
